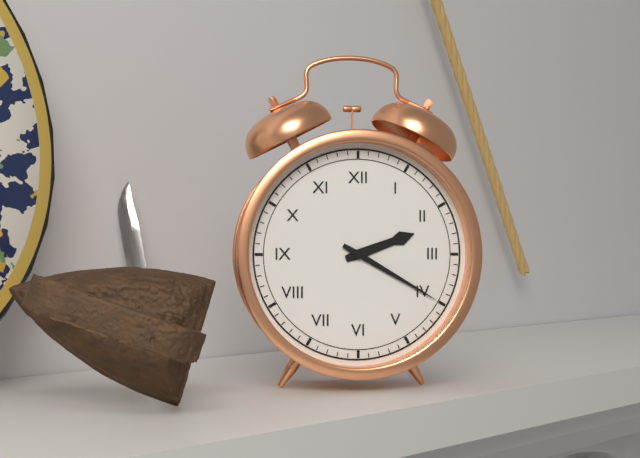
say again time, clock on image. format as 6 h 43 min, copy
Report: 2 h 20 min
